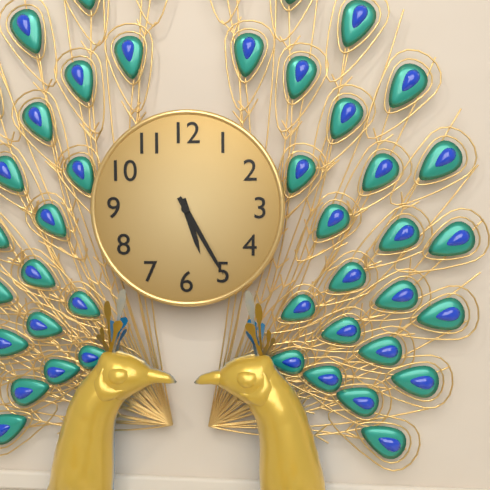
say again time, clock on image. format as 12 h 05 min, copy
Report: 5 h 25 min
